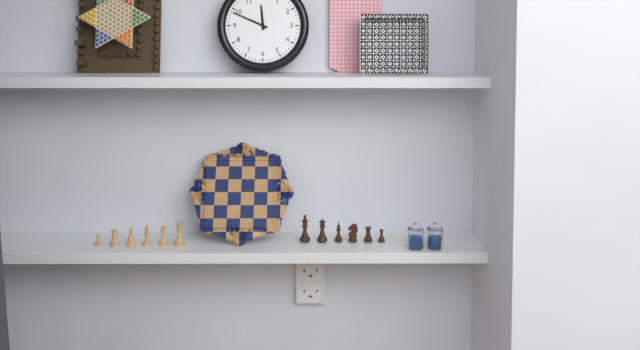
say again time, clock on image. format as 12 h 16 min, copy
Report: 11 h 49 min
